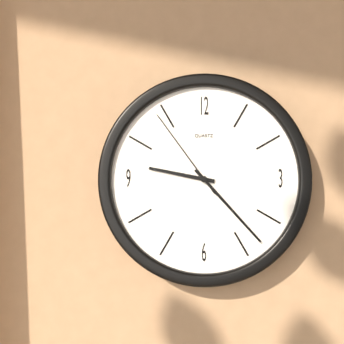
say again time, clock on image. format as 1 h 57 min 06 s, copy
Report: 9 h 23 min 54 s
